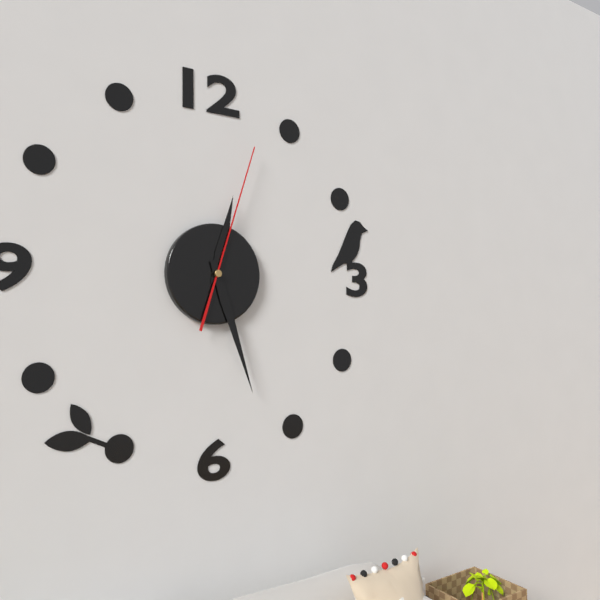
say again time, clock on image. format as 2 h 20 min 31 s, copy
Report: 12 h 27 min 03 s
